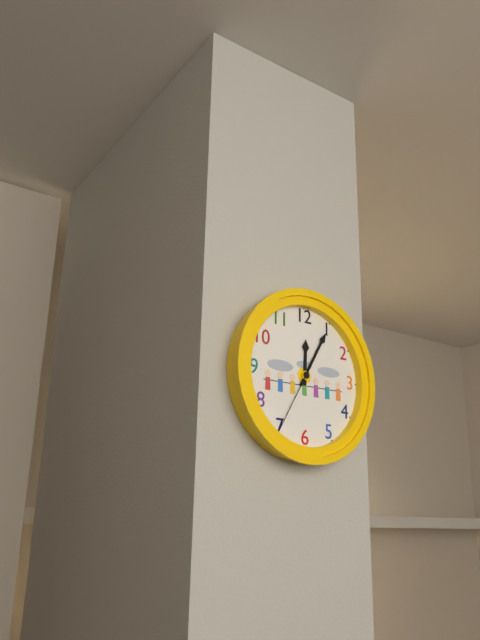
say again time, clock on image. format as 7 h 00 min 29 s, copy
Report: 12 h 05 min 35 s
